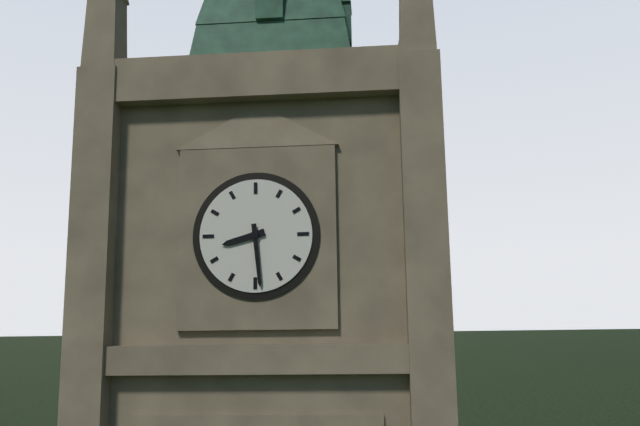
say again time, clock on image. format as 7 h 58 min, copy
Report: 8 h 29 min
